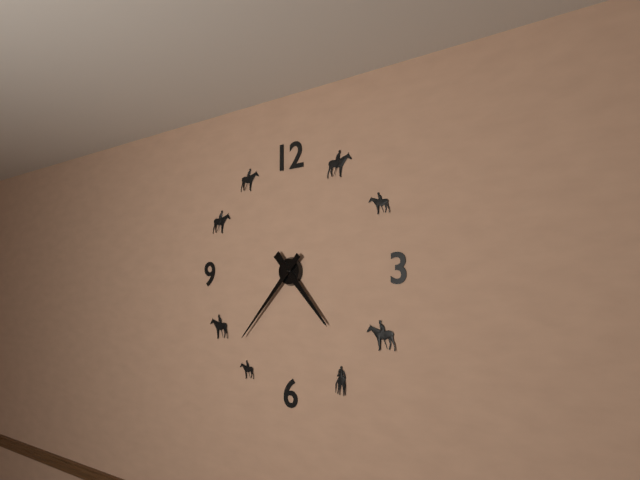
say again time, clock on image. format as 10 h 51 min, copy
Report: 4 h 37 min
